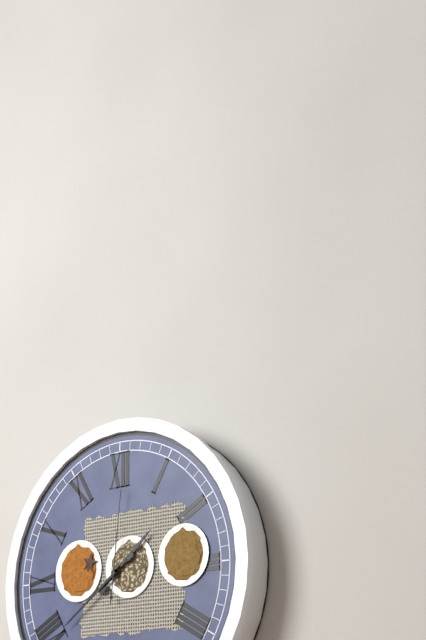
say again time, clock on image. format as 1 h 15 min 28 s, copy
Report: 1 h 39 min 01 s
